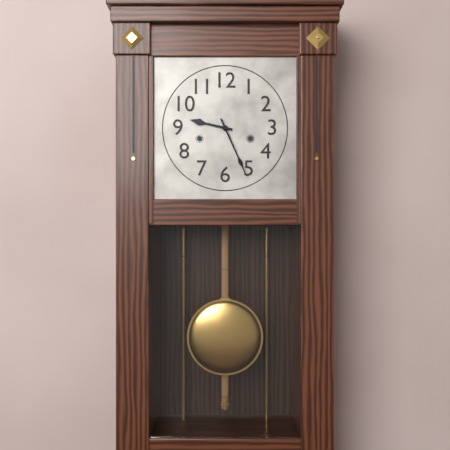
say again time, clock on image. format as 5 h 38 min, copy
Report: 9 h 26 min
